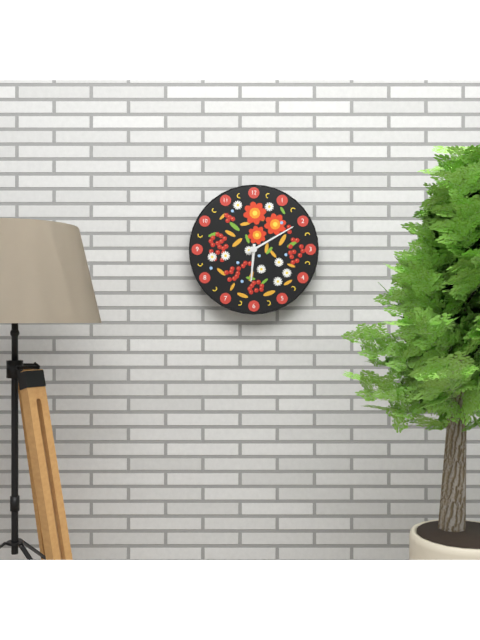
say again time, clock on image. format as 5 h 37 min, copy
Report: 6 h 10 min
